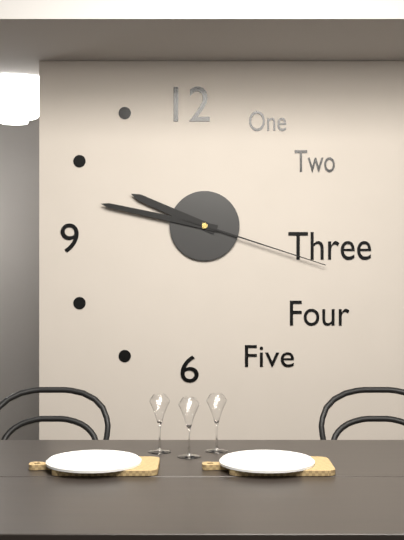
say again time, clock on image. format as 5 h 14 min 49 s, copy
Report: 9 h 47 min 18 s
